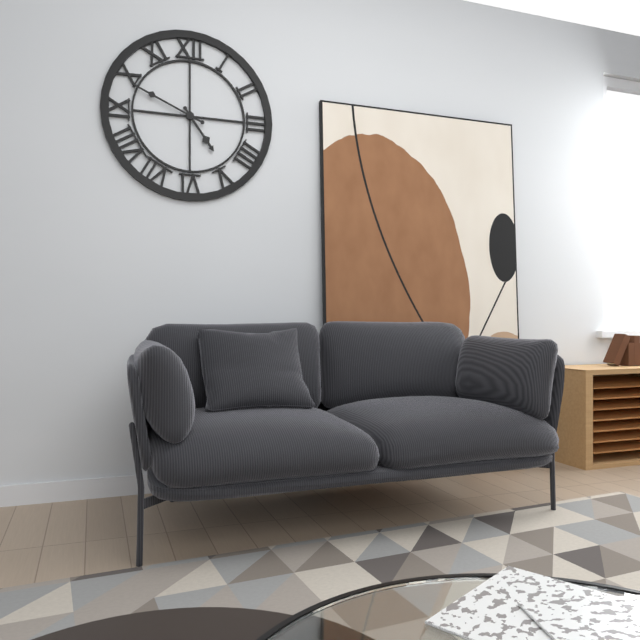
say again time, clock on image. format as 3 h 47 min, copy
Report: 4 h 49 min
